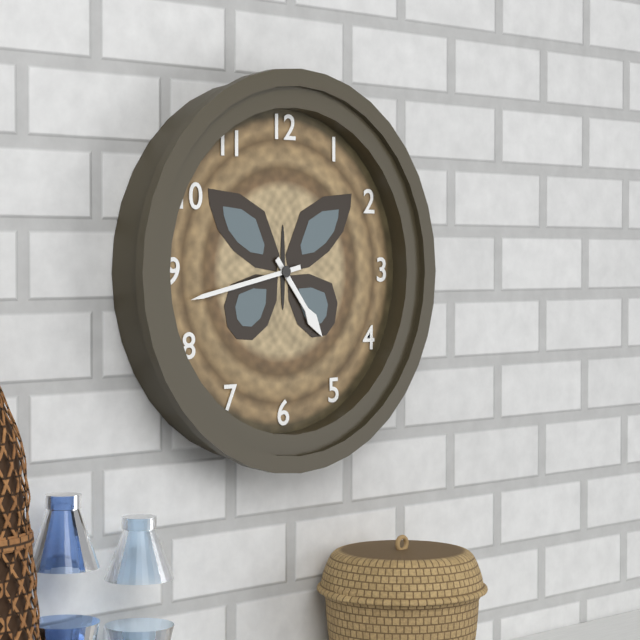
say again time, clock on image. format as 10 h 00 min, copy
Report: 4 h 43 min
